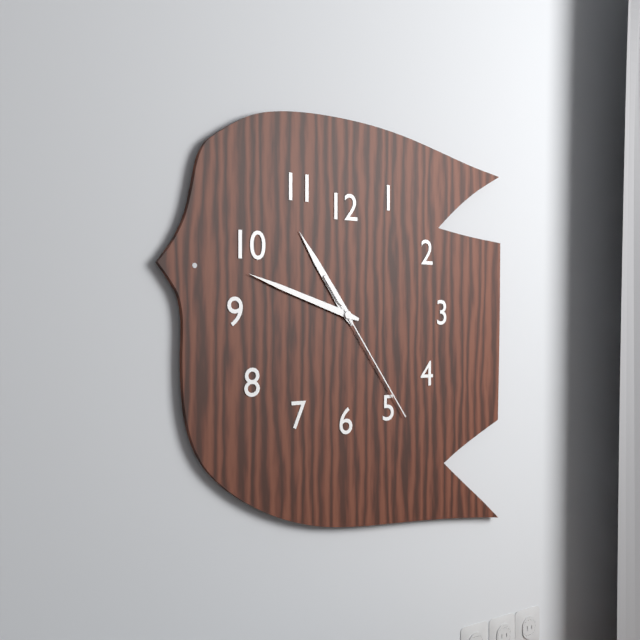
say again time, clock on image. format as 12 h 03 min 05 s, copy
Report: 10 h 48 min 24 s
